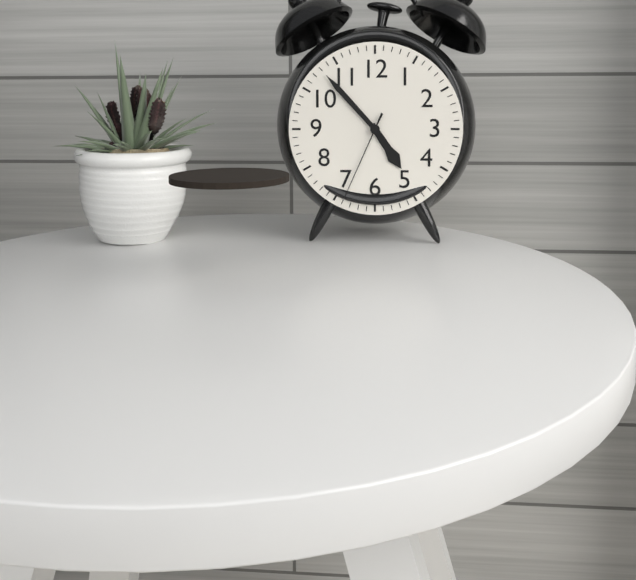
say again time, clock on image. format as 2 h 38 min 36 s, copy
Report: 4 h 53 min 34 s
